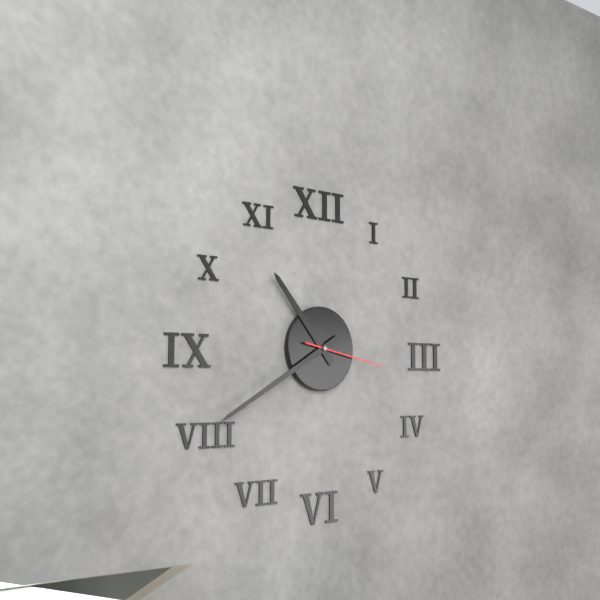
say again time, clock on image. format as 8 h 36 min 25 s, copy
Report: 10 h 40 min 17 s
